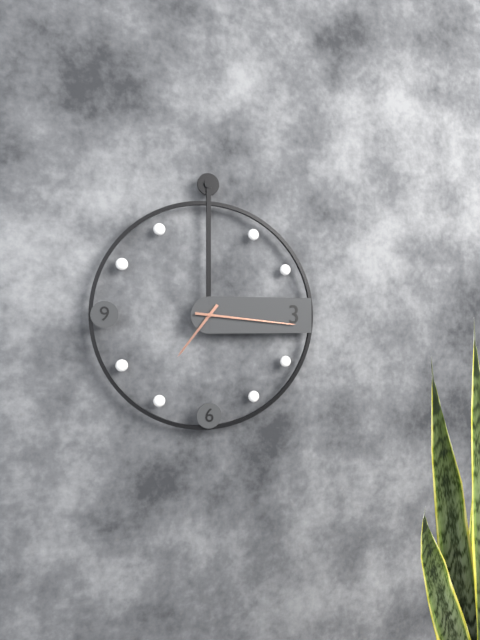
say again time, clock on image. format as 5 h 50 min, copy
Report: 7 h 16 min
